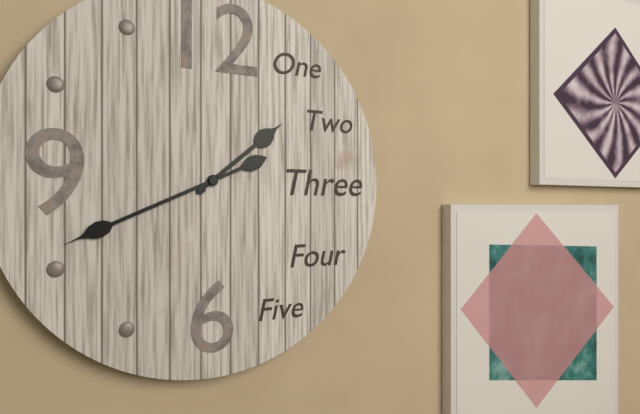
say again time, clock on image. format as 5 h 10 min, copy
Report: 1 h 41 min
